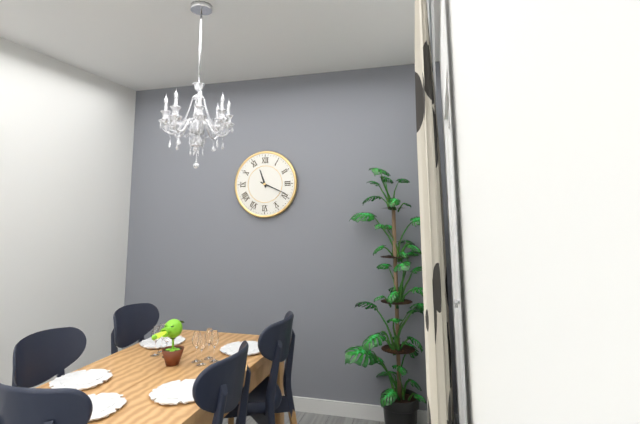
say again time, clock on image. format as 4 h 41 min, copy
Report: 11 h 19 min
